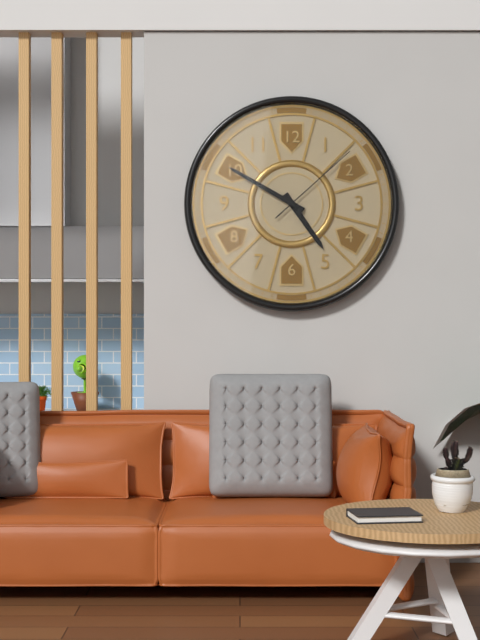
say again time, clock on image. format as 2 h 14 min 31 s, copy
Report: 4 h 50 min 08 s
